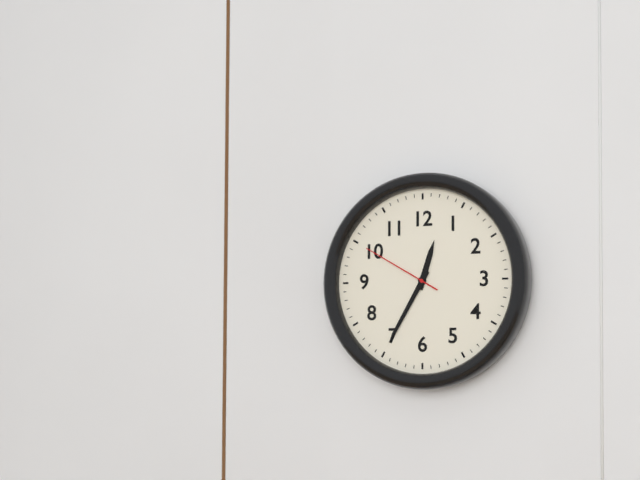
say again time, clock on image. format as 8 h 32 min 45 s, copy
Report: 12 h 35 min 50 s
